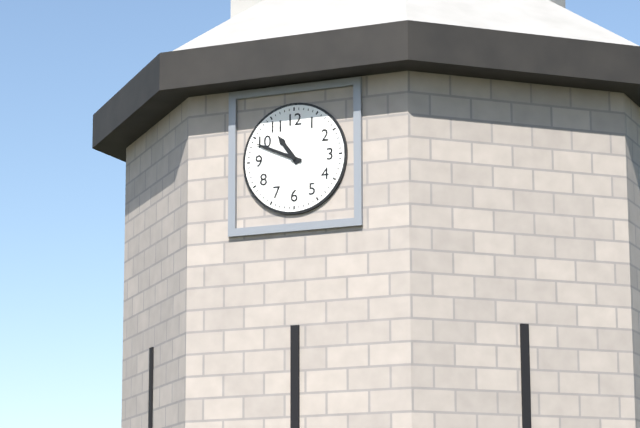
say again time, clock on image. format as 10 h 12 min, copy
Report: 10 h 49 min
